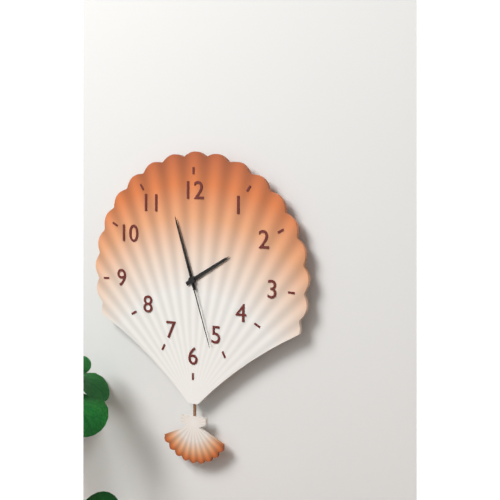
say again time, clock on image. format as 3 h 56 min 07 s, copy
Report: 1 h 57 min 27 s
